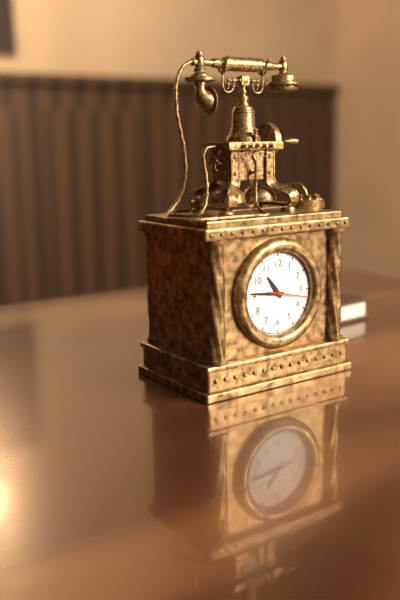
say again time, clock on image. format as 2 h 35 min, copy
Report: 10 h 46 min
